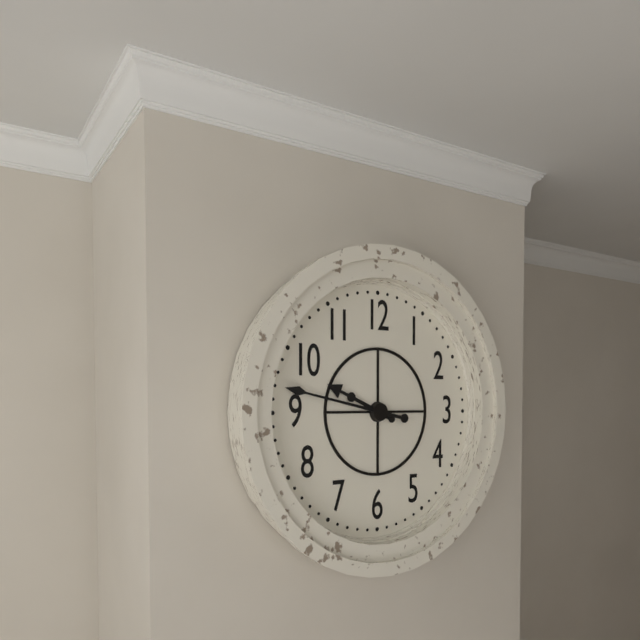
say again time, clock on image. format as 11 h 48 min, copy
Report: 9 h 47 min
